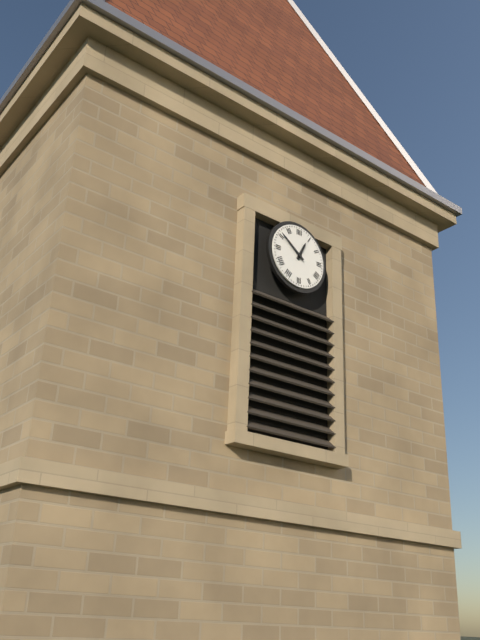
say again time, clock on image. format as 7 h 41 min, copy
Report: 12 h 51 min
